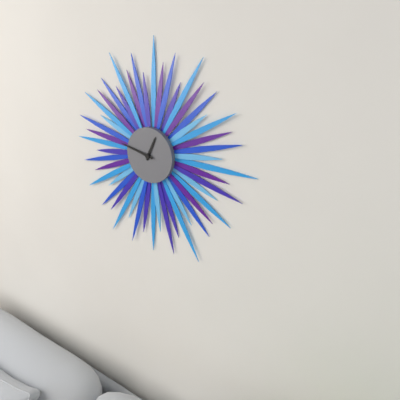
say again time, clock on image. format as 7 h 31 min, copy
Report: 12 h 47 min
